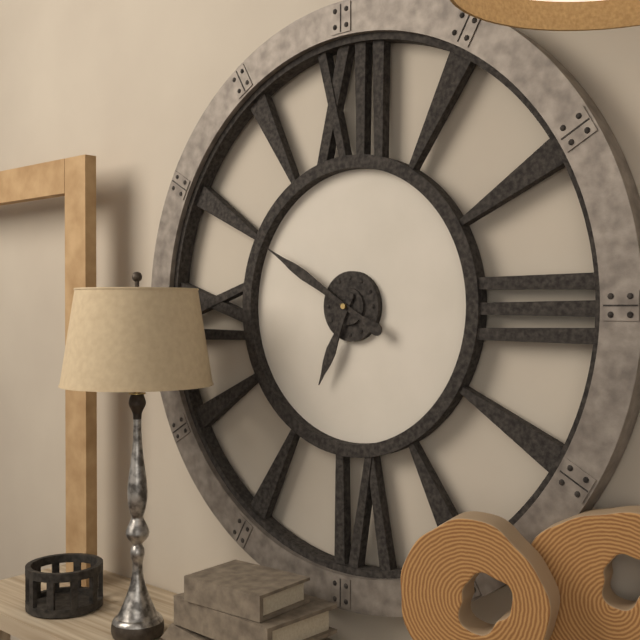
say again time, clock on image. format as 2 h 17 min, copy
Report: 6 h 50 min
